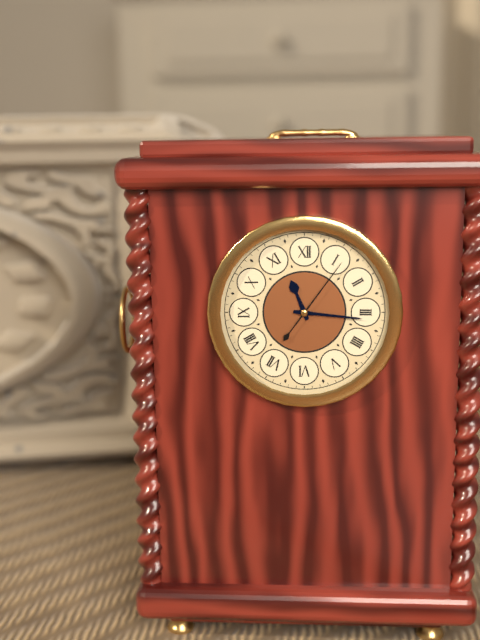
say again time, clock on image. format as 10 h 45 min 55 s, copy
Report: 11 h 16 min 06 s
